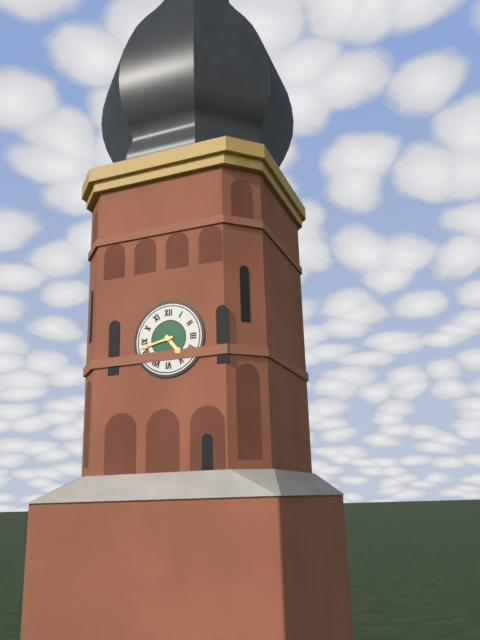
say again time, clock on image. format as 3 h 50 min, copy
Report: 4 h 43 min
